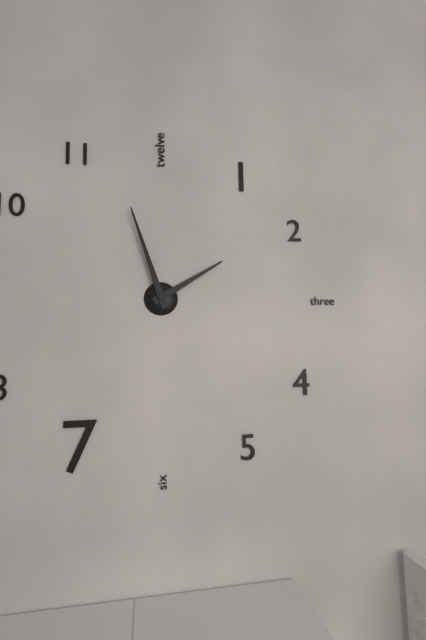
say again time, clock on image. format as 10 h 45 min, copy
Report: 1 h 57 min
